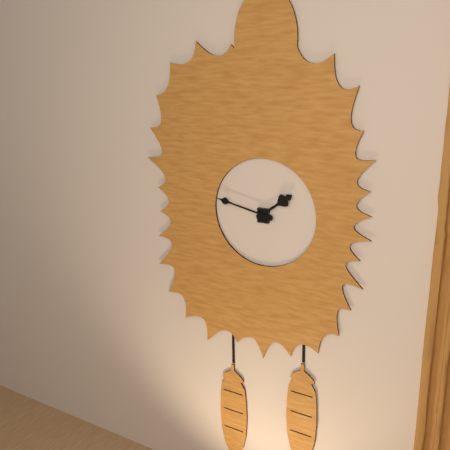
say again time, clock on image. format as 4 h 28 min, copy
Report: 1 h 47 min
